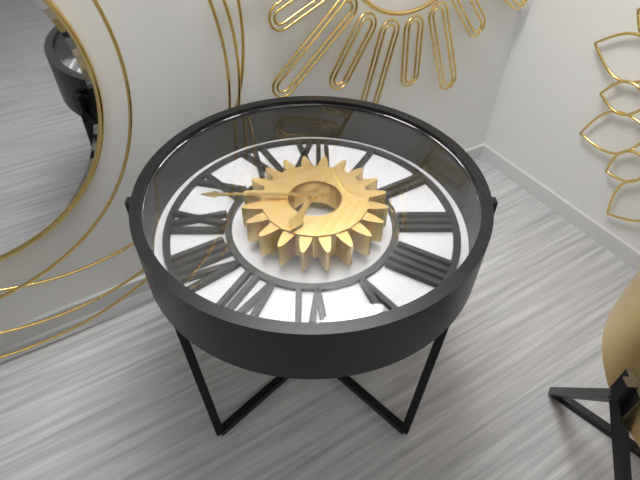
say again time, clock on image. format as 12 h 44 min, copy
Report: 6 h 45 min
